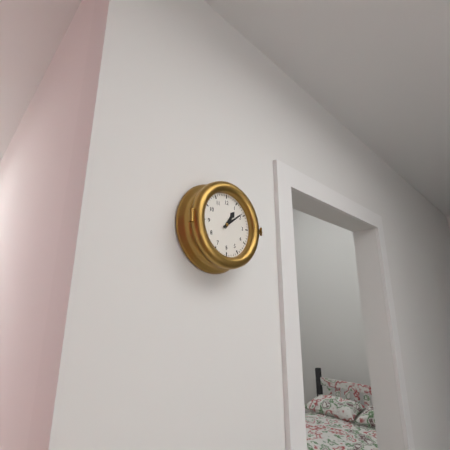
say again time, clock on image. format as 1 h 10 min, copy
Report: 1 h 09 min
